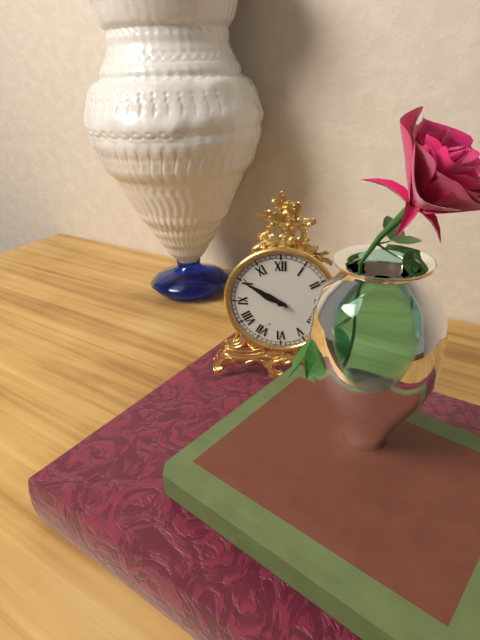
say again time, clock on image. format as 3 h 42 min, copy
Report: 9 h 50 min
